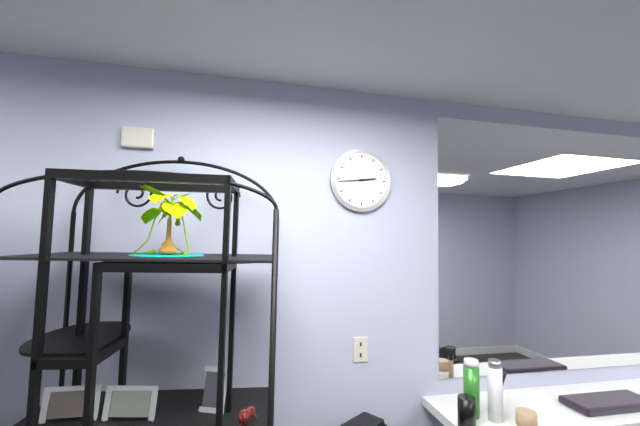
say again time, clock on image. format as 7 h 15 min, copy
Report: 2 h 44 min
